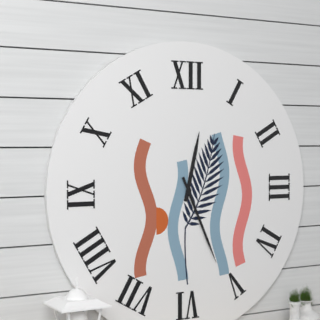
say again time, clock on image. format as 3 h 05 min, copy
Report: 12 h 26 min
